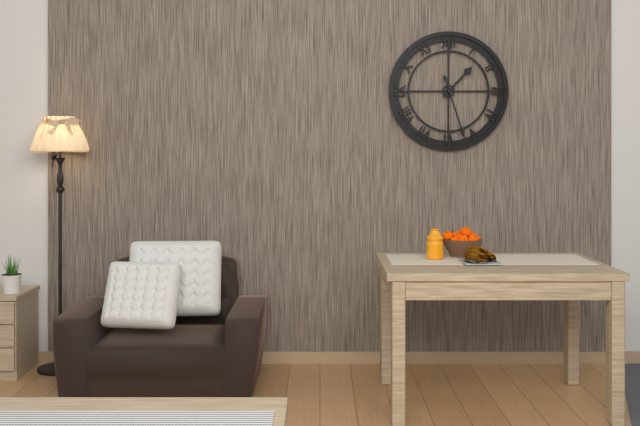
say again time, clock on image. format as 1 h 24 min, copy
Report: 1 h 27 min
